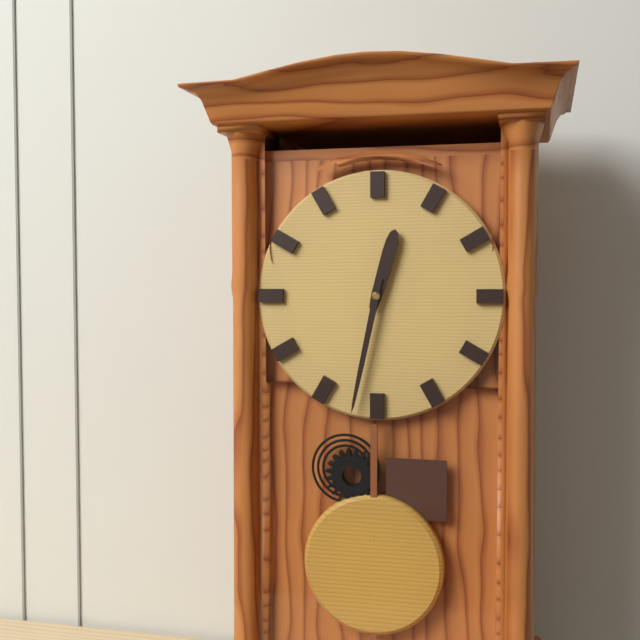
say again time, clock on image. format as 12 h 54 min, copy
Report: 12 h 32 min
